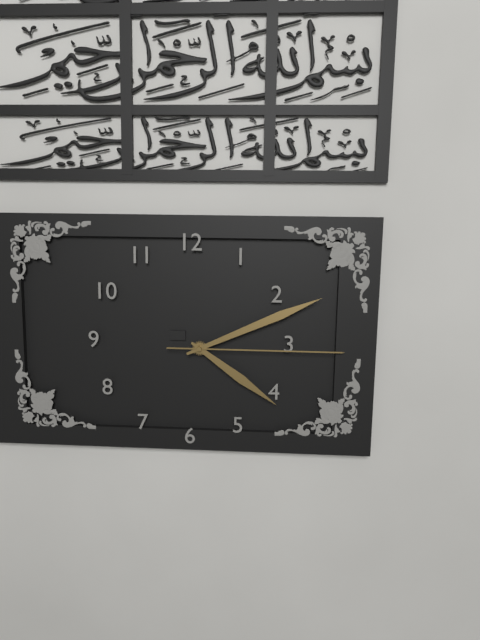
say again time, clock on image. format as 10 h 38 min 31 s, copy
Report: 4 h 11 min 15 s
